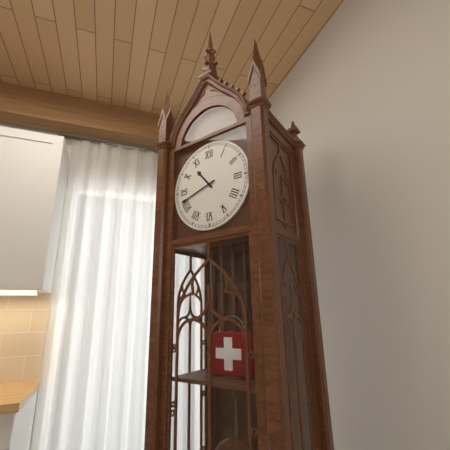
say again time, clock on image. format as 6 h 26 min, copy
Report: 10 h 42 min
